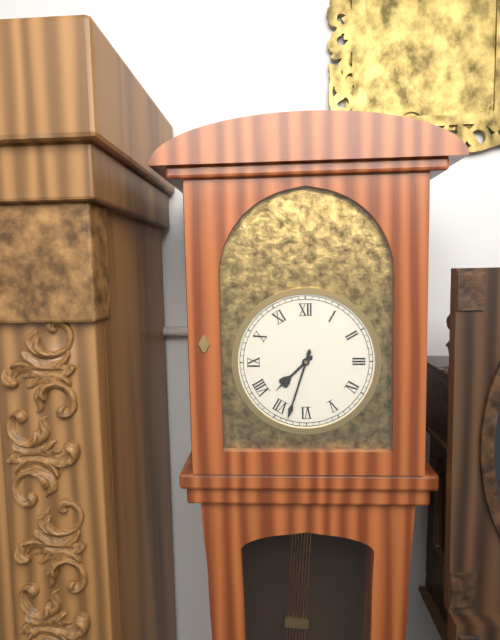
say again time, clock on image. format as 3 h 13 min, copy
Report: 7 h 33 min
